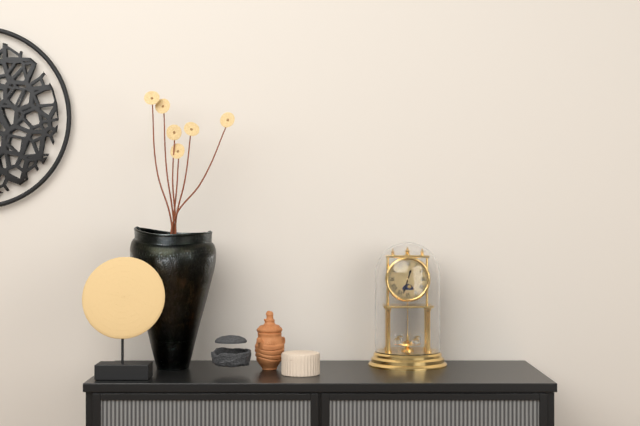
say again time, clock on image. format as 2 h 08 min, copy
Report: 12 h 33 min
